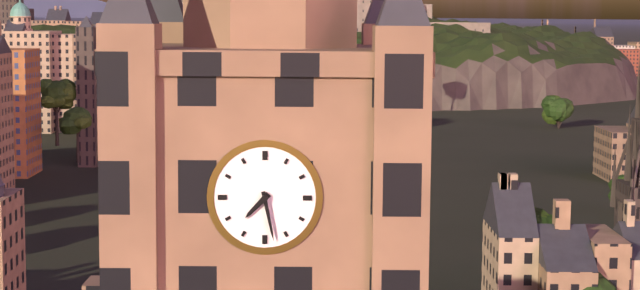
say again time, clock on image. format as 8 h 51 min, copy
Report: 7 h 28 min
